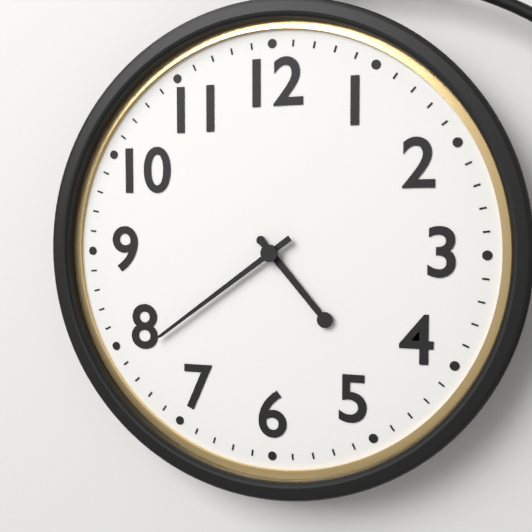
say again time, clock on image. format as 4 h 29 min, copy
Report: 4 h 39 min
